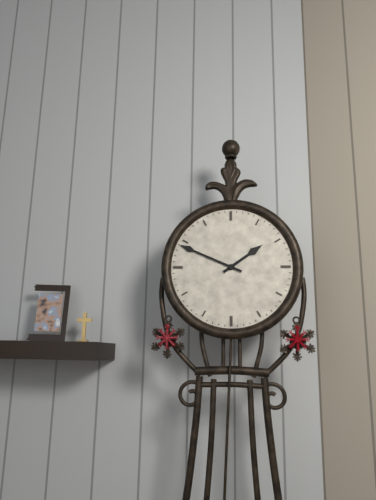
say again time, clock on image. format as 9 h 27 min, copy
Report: 1 h 49 min
